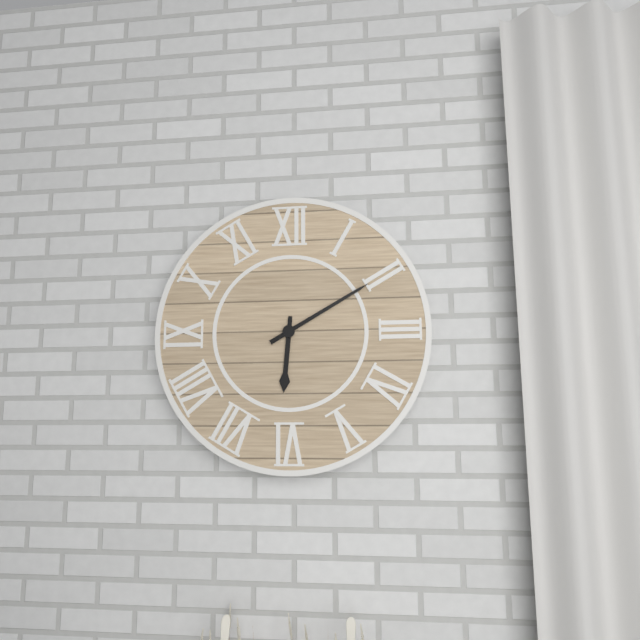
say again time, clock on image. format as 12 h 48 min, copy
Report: 6 h 10 min
